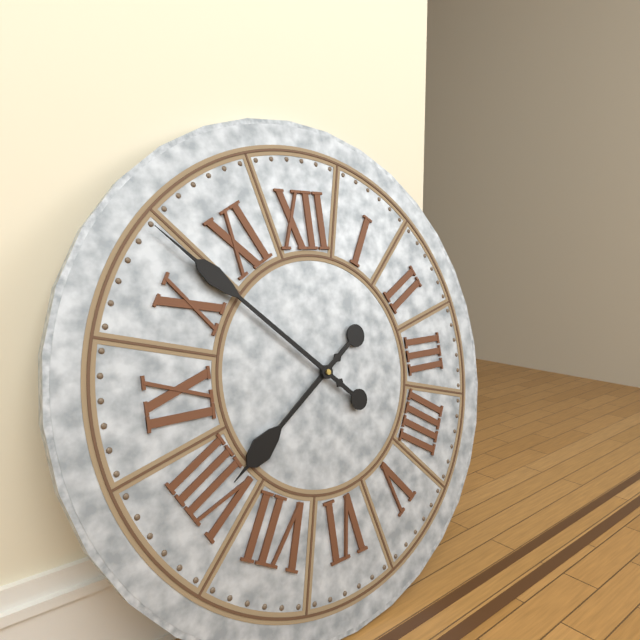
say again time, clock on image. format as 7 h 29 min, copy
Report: 7 h 52 min
